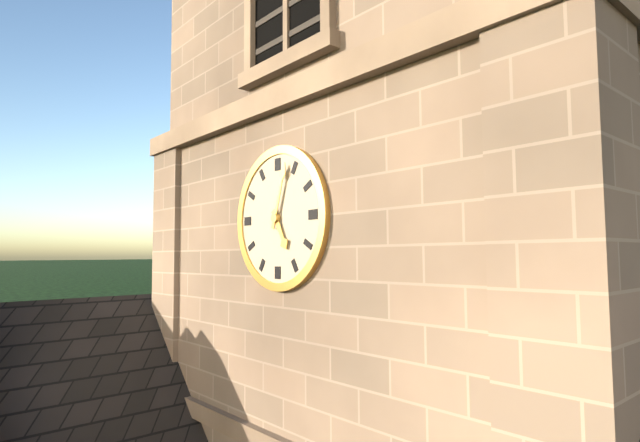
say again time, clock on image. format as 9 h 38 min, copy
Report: 5 h 03 min
